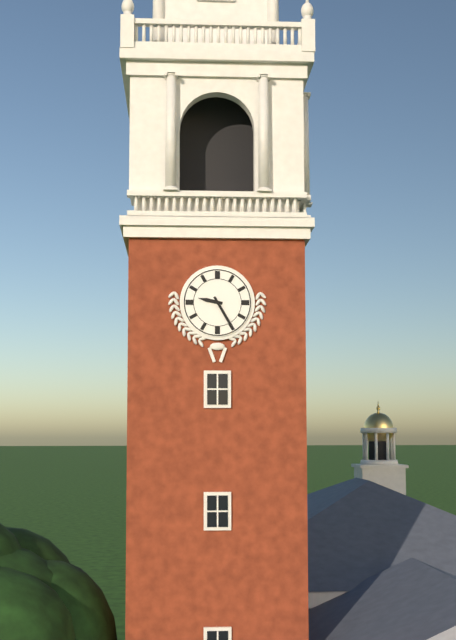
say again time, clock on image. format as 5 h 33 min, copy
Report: 9 h 25 min
